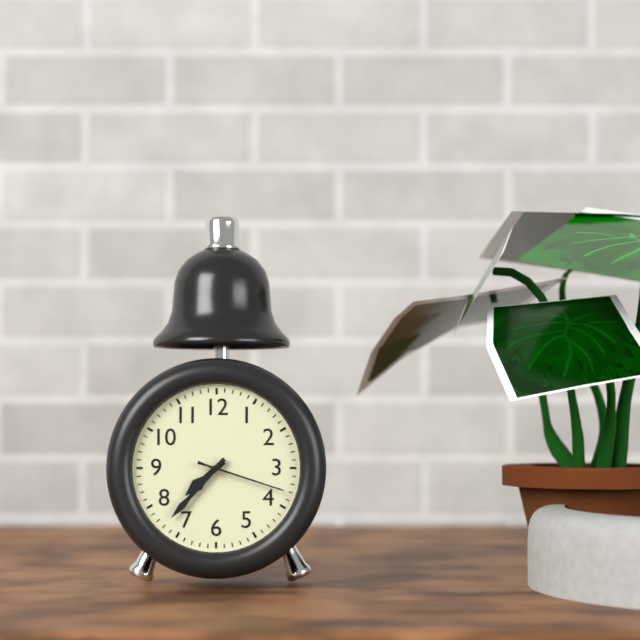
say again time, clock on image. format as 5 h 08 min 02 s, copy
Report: 7 h 37 min 18 s
